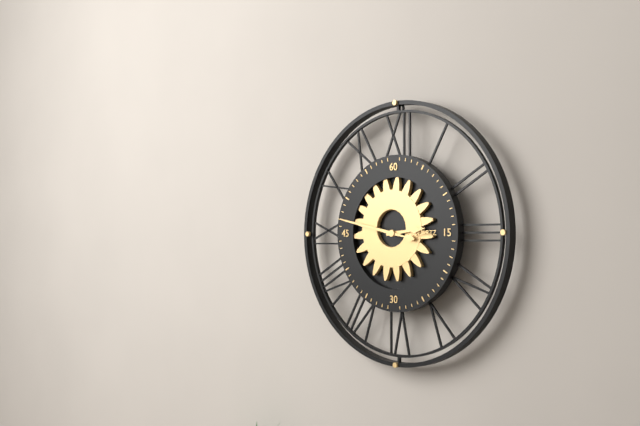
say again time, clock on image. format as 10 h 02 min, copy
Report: 2 h 47 min
